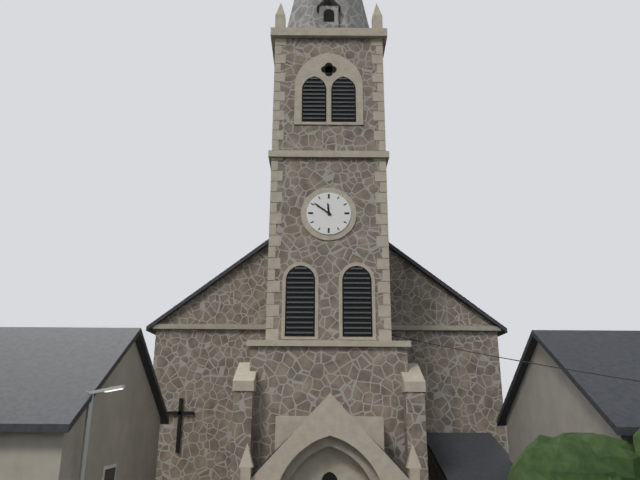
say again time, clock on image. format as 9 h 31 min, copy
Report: 11 h 51 min
